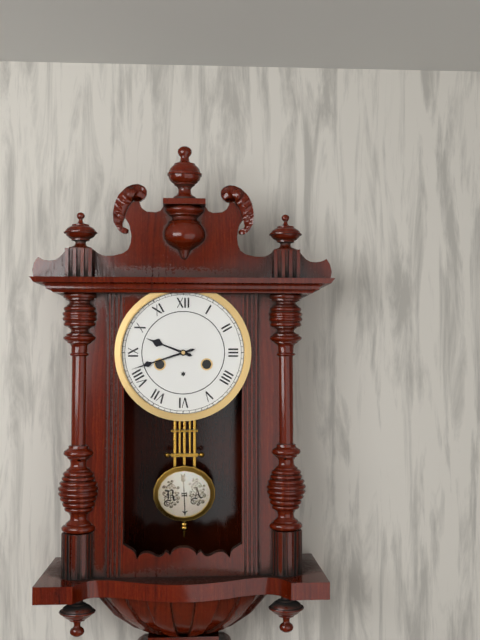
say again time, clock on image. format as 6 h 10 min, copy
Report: 9 h 42 min
